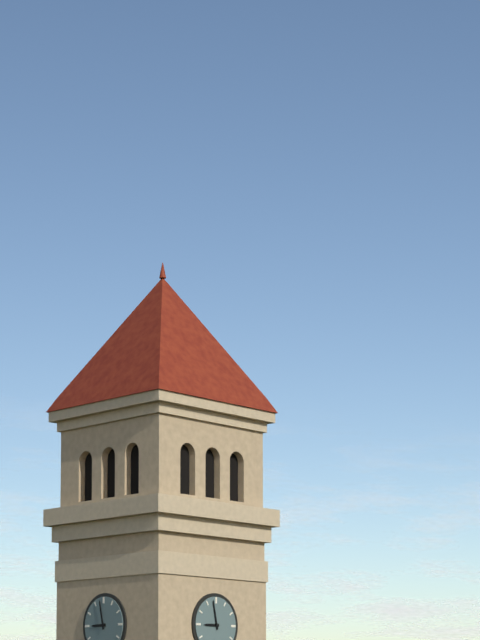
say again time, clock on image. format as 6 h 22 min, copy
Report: 8 h 58 min
